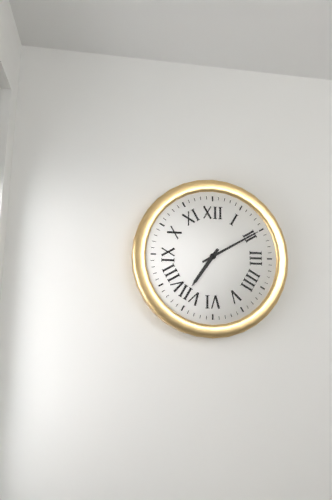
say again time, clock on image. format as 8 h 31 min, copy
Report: 7 h 10 min
